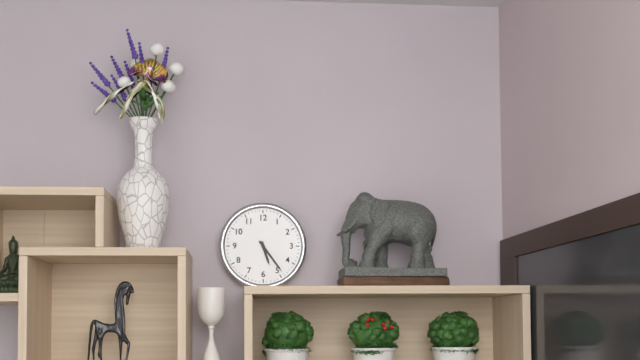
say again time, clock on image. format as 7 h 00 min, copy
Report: 5 h 24 min
